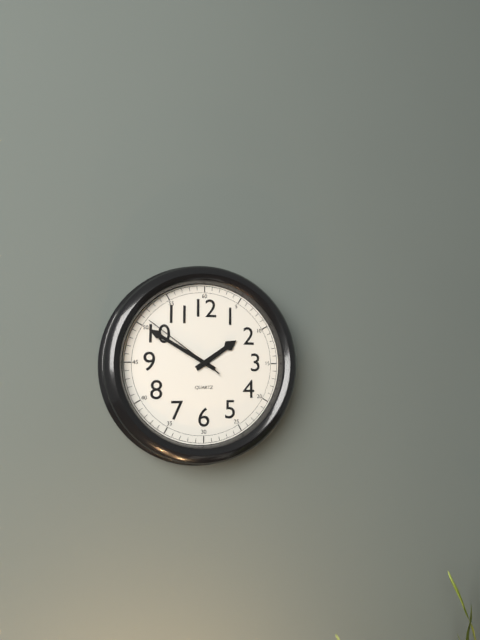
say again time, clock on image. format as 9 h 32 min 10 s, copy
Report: 1 h 50 min 51 s
